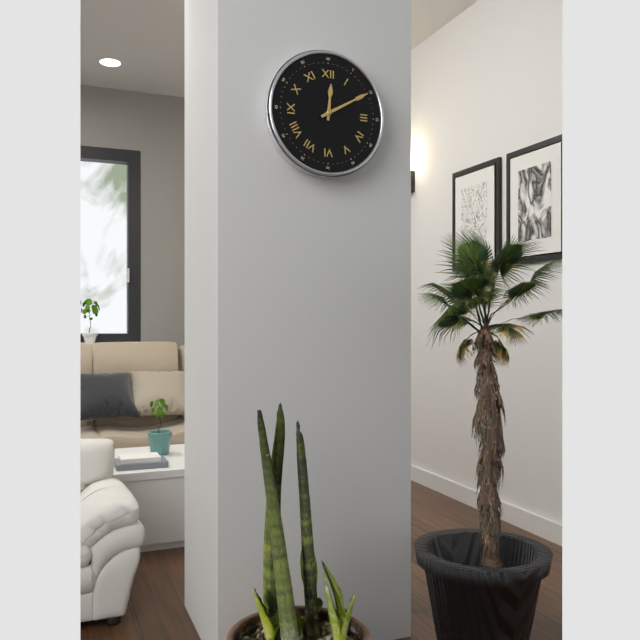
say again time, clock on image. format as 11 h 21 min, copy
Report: 12 h 10 min
